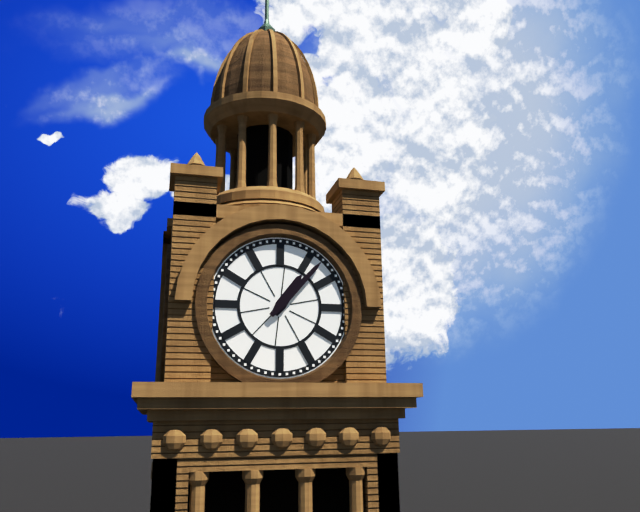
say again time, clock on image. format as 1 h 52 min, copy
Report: 1 h 07 min
